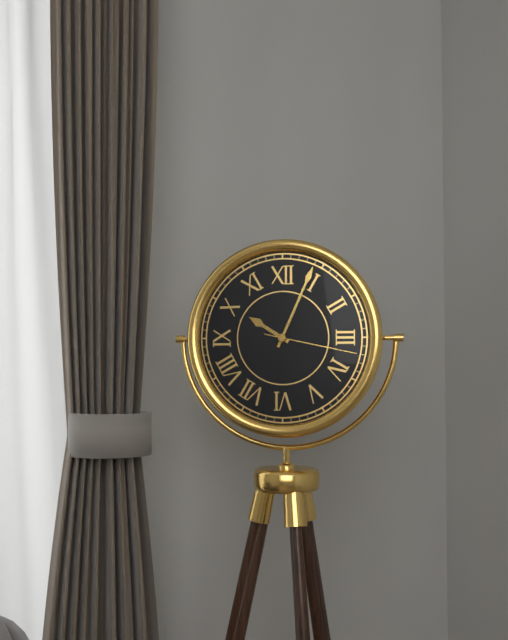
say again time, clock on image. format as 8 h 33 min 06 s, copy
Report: 10 h 04 min 17 s
